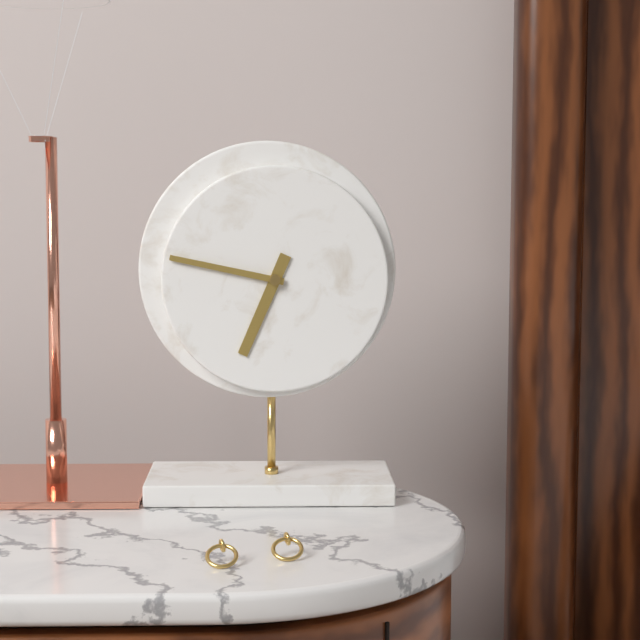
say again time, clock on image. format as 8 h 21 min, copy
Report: 6 h 47 min
